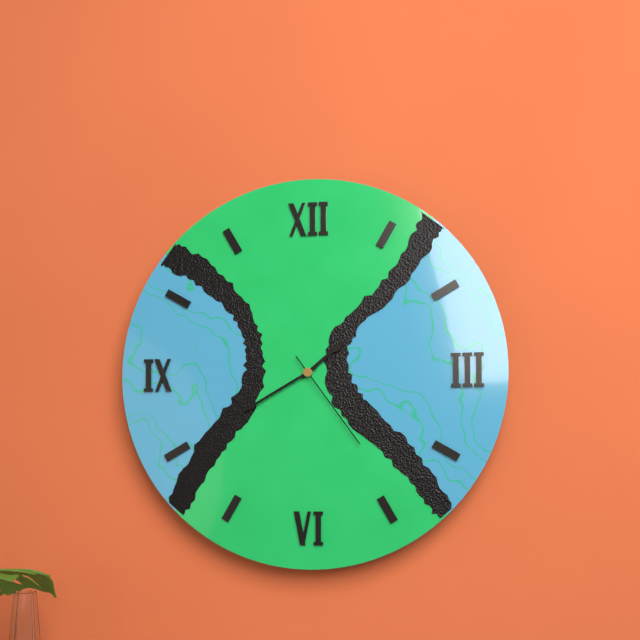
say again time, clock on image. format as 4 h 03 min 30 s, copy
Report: 1 h 40 min 24 s
